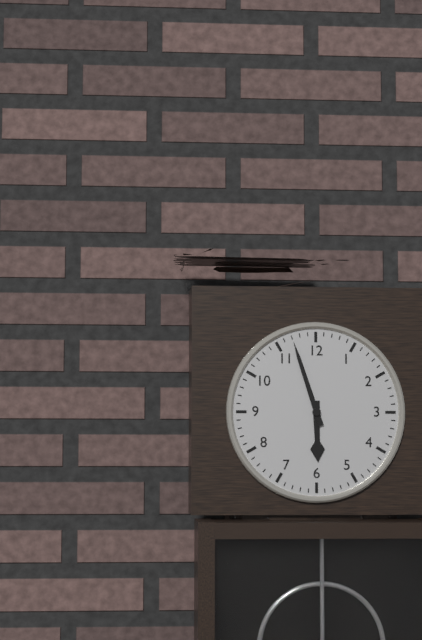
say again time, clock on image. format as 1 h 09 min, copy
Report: 5 h 57 min
